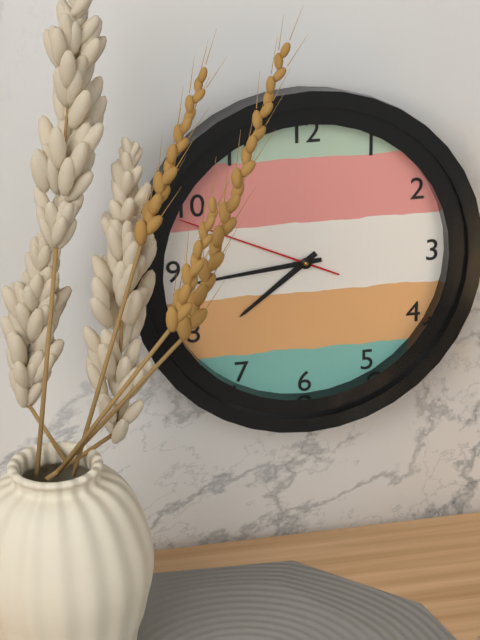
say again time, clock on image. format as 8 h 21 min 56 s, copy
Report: 7 h 44 min 49 s
